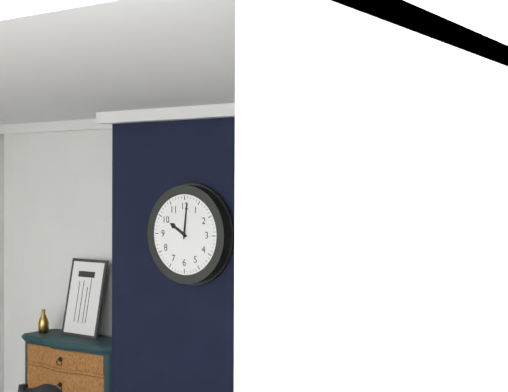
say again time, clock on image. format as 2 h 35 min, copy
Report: 10 h 01 min
